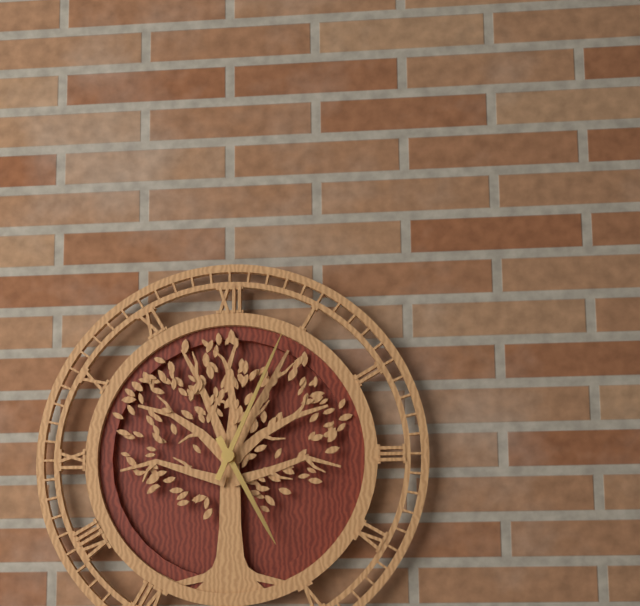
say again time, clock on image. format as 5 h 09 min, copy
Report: 5 h 04 min
